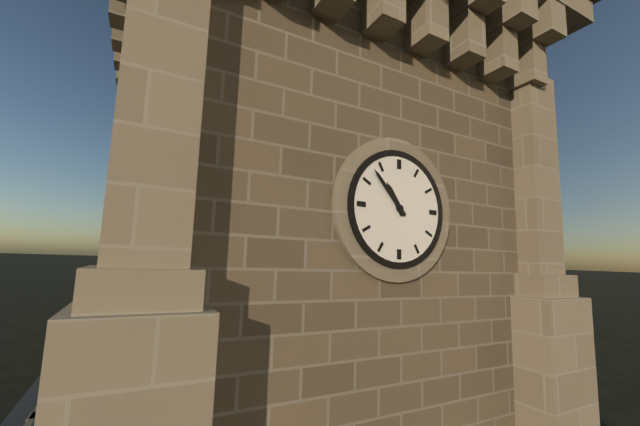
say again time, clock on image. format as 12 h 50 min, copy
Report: 10 h 53 min
